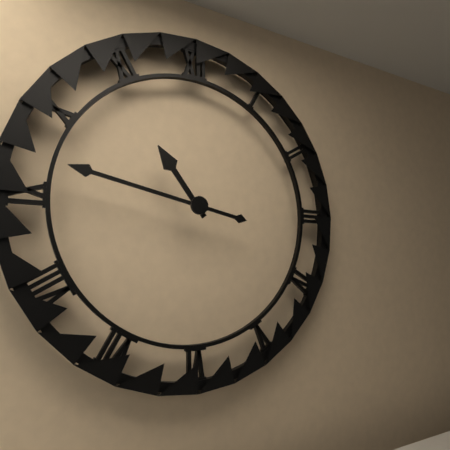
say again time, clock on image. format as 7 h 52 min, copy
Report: 10 h 47 min
